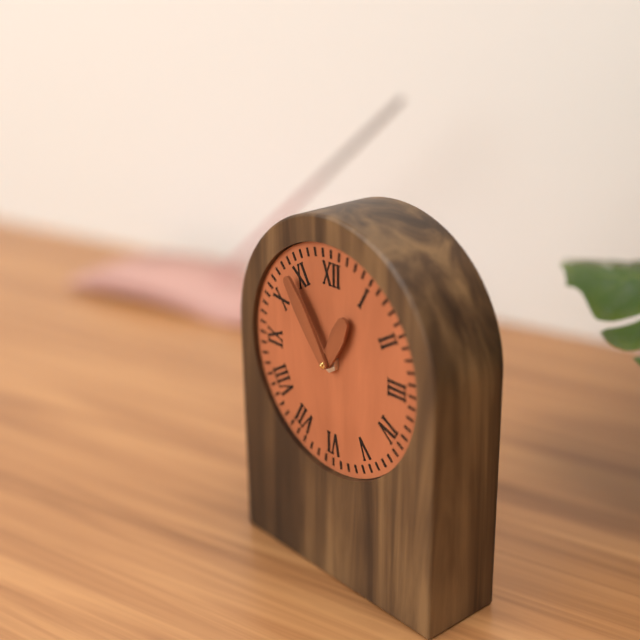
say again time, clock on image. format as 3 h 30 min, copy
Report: 12 h 54 min
